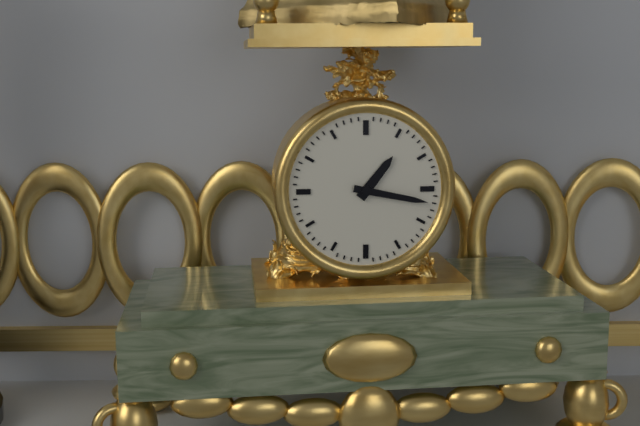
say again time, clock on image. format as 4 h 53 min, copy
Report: 1 h 17 min
